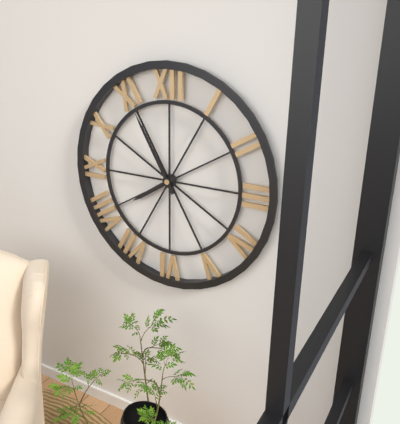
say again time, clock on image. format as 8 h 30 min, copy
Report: 7 h 55 min
